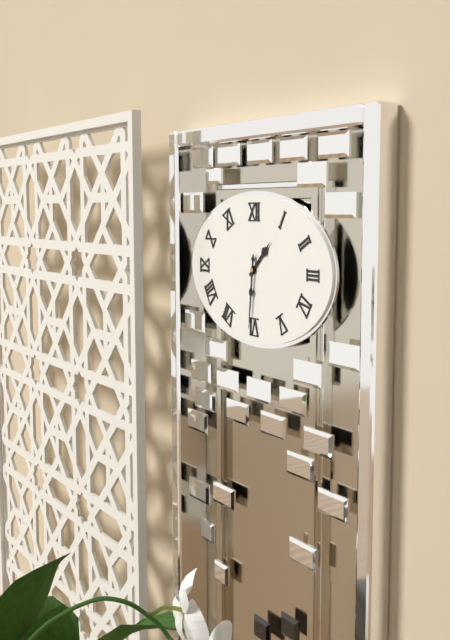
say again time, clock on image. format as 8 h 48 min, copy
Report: 1 h 31 min
